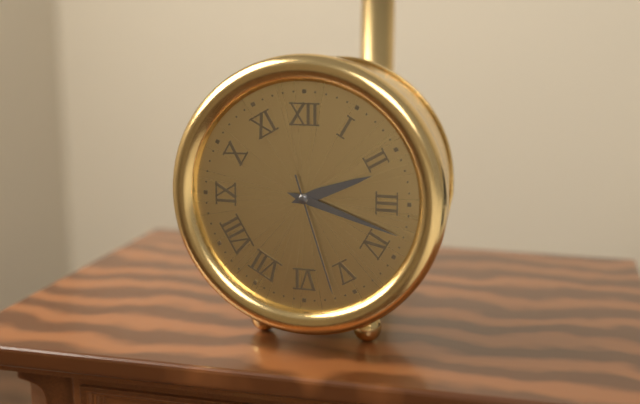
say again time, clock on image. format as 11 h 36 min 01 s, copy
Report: 2 h 18 min 27 s
